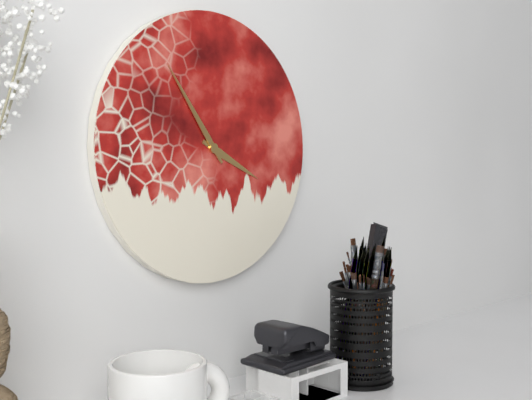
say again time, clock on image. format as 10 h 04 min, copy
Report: 3 h 54 min
